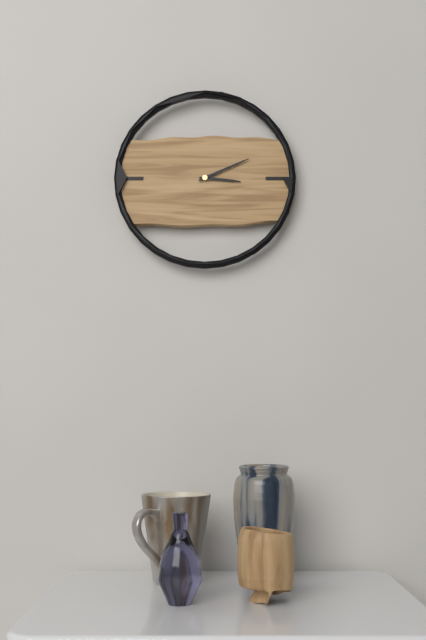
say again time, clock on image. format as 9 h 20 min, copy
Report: 3 h 11 min
